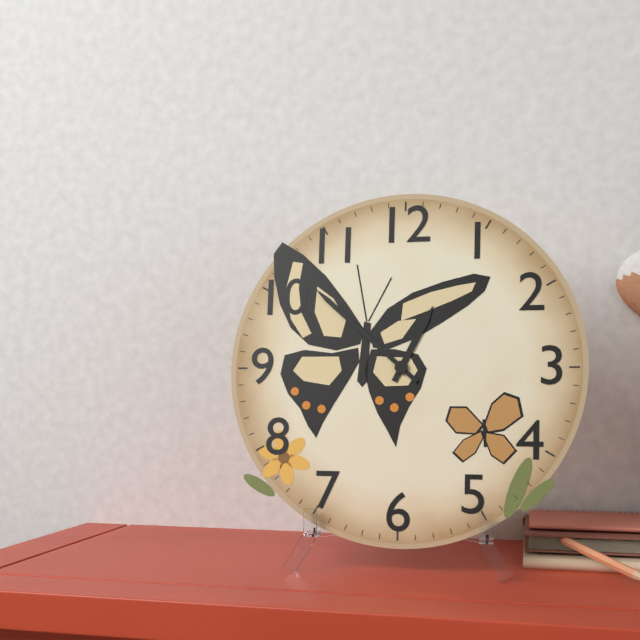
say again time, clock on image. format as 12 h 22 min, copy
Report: 12 h 52 min
